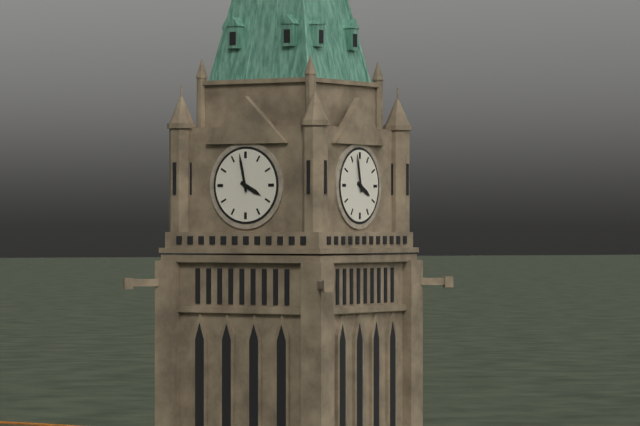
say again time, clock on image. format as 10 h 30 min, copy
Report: 3 h 58 min
